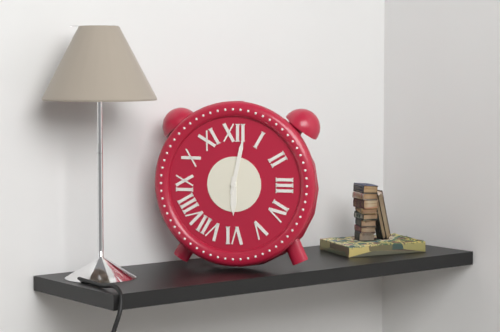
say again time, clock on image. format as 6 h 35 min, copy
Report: 6 h 02 min
